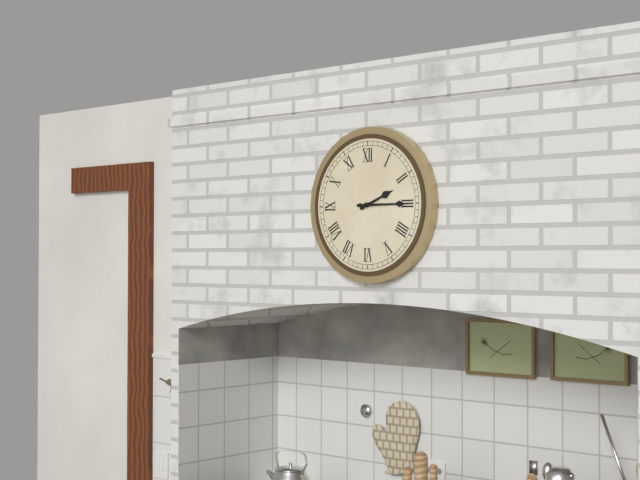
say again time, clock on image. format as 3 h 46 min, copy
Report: 2 h 15 min
